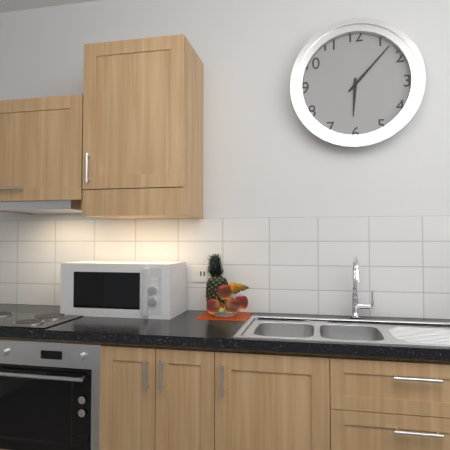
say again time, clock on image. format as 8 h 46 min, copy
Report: 6 h 07 min
